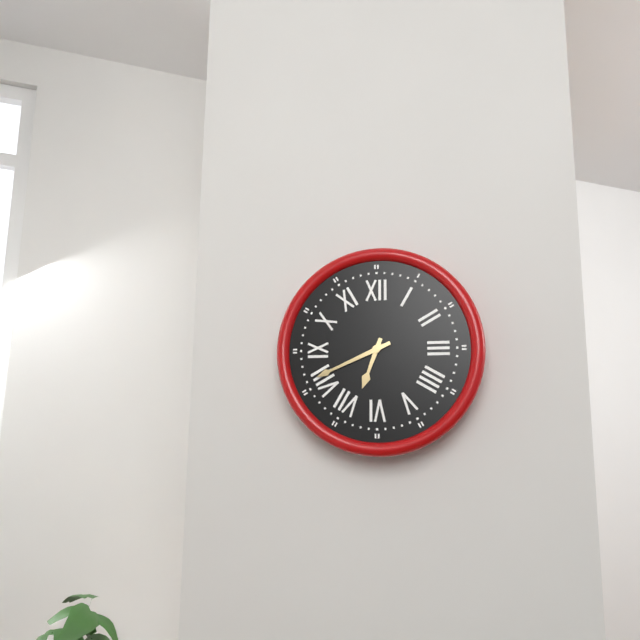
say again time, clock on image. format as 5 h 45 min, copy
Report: 6 h 41 min
